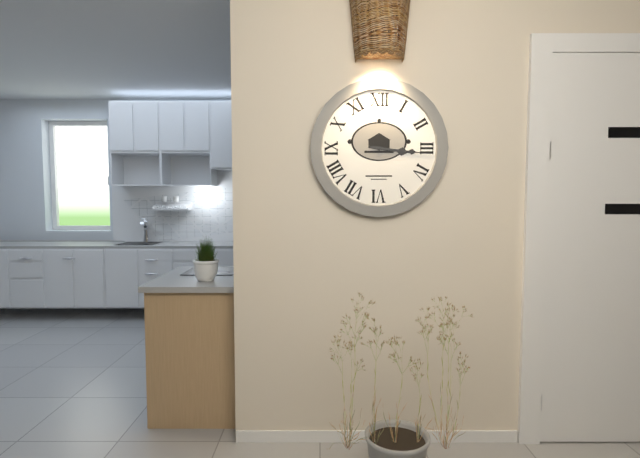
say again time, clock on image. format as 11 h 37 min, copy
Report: 3 h 16 min
